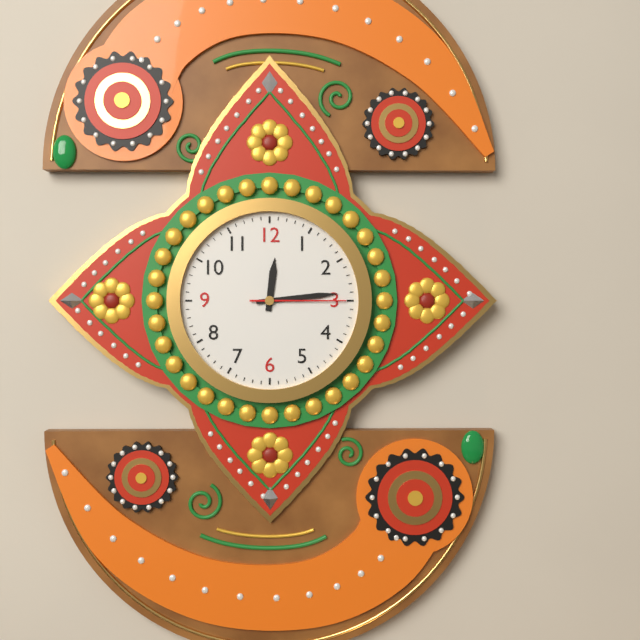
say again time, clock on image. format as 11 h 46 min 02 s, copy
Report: 12 h 14 min 15 s
